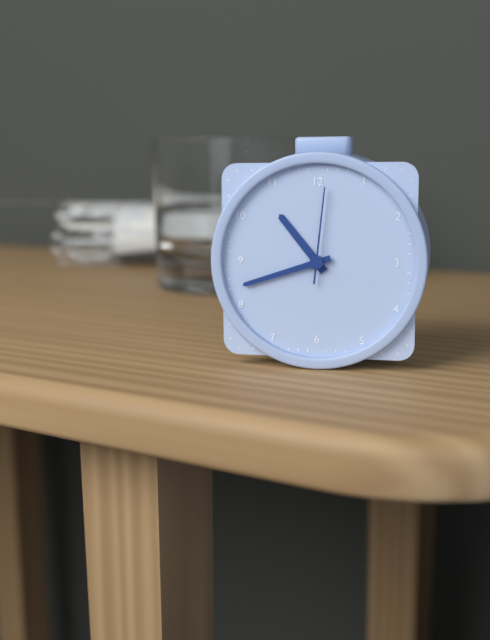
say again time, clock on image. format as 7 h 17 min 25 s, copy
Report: 10 h 42 min 01 s
